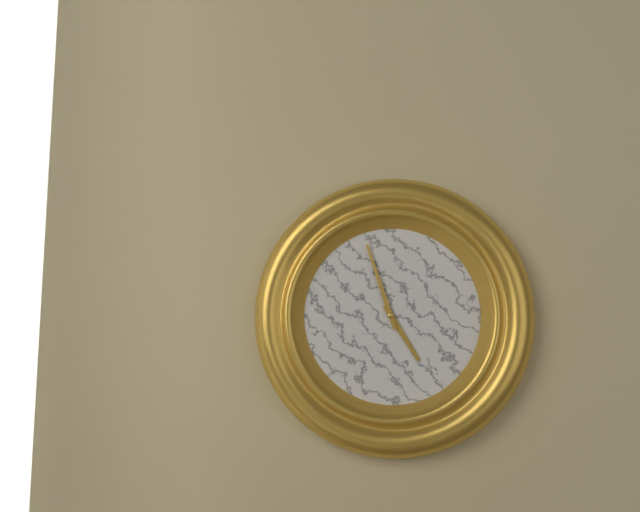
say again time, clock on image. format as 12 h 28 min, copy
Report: 4 h 57 min
